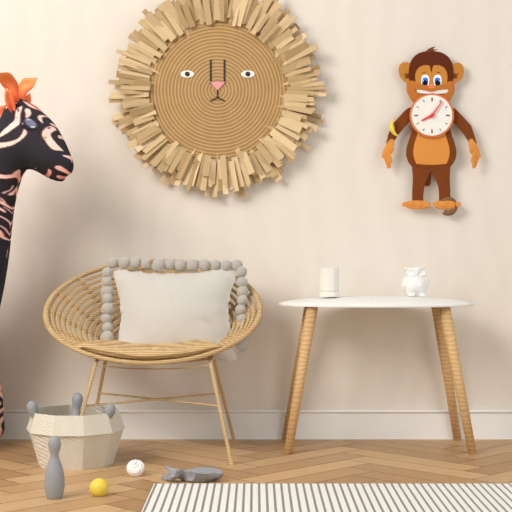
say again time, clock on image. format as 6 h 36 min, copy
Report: 8 h 06 min
